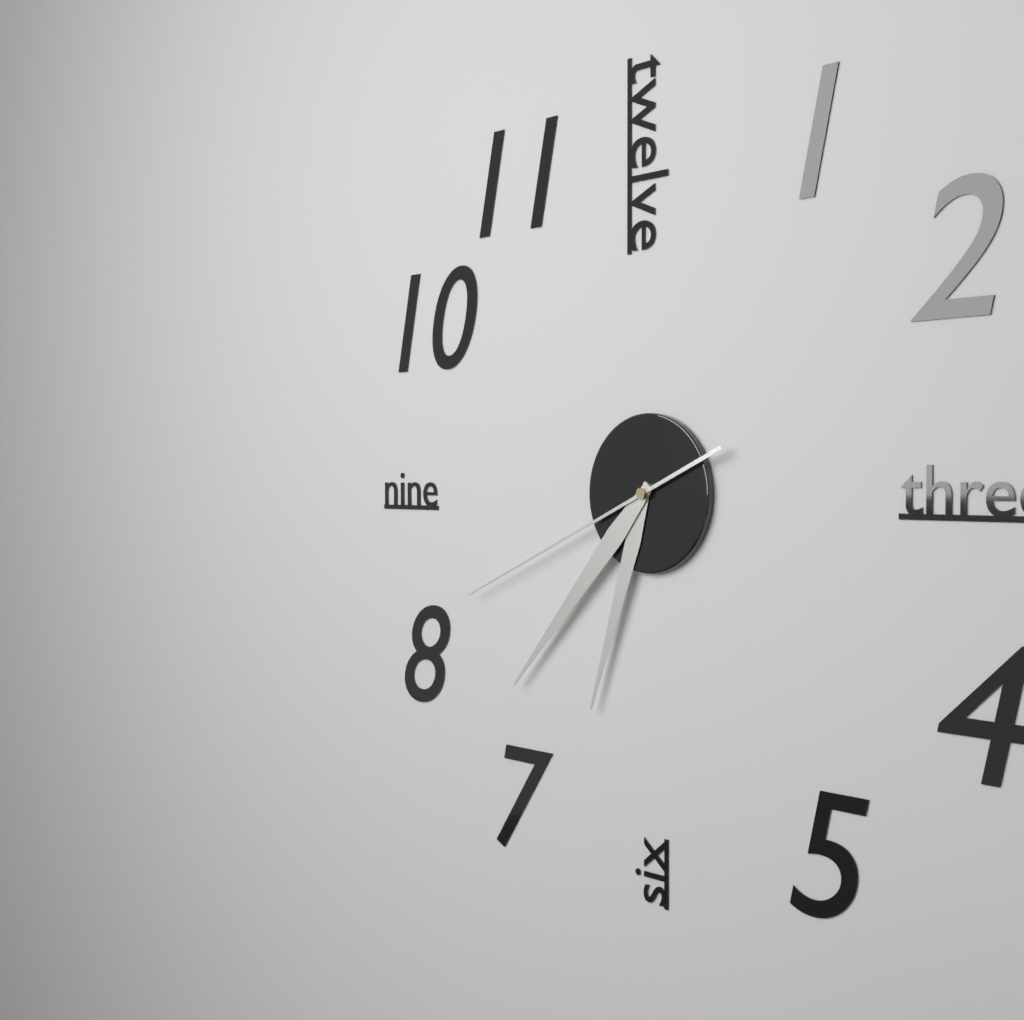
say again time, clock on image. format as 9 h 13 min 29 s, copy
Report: 6 h 37 min 41 s
